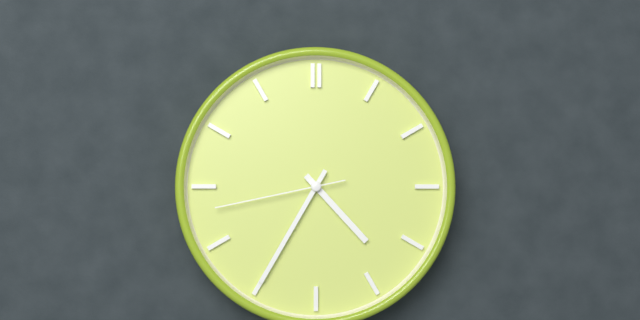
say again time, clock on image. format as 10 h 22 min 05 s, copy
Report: 4 h 35 min 43 s
